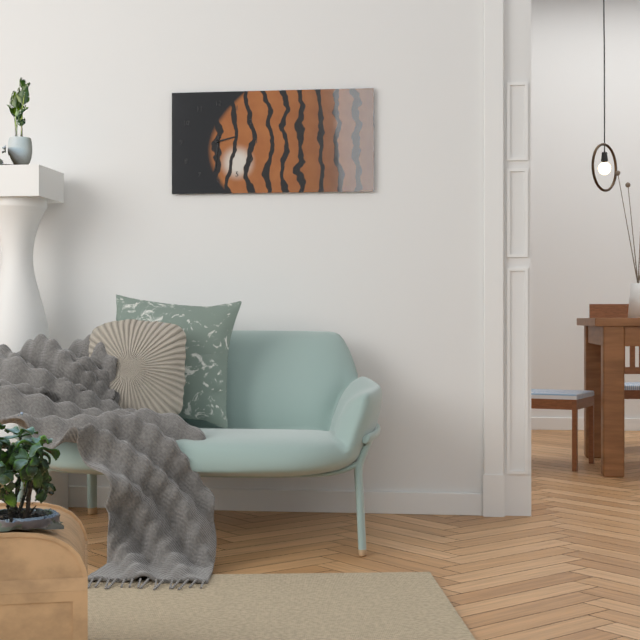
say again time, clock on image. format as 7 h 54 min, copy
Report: 2 h 31 min
